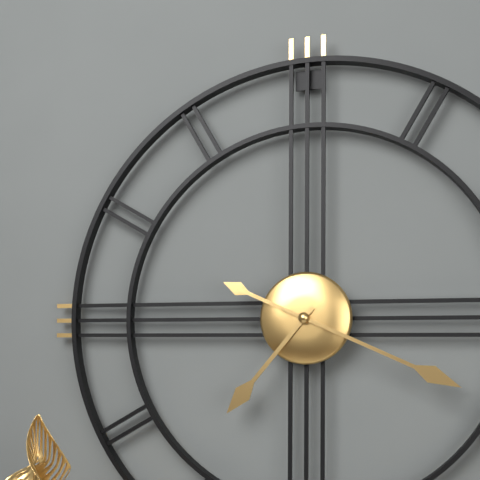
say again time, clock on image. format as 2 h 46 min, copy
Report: 7 h 19 min
